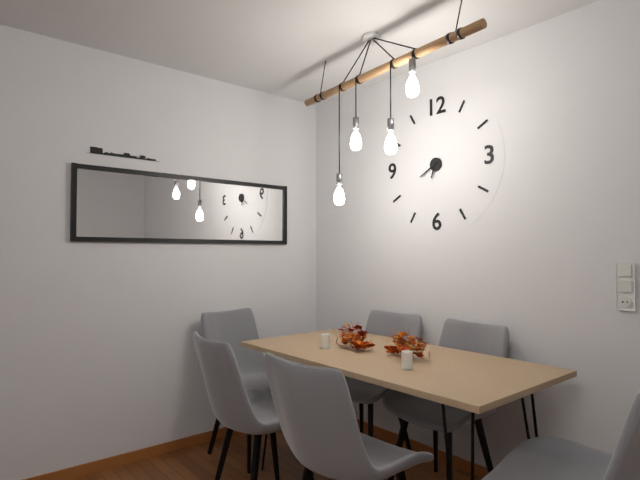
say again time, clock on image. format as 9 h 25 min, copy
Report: 6 h 40 min
